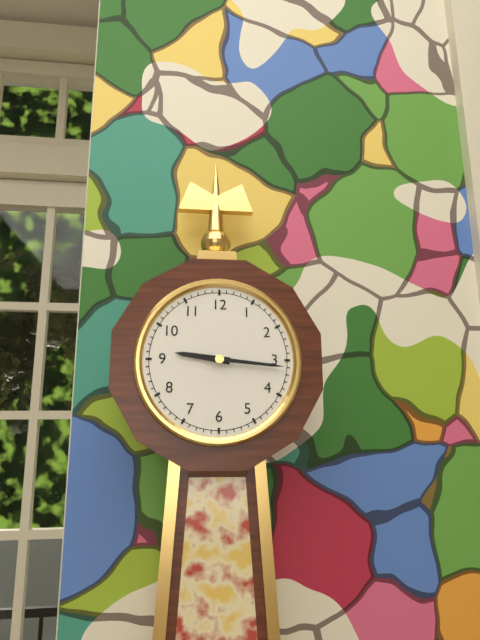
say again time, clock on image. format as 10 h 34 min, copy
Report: 9 h 16 min
